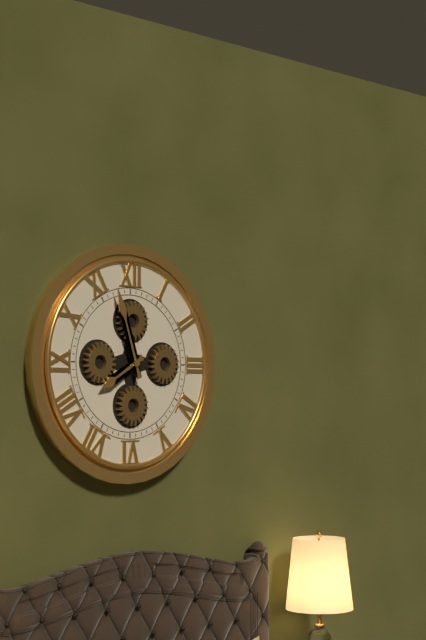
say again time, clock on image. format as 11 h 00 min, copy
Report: 7 h 57 min
